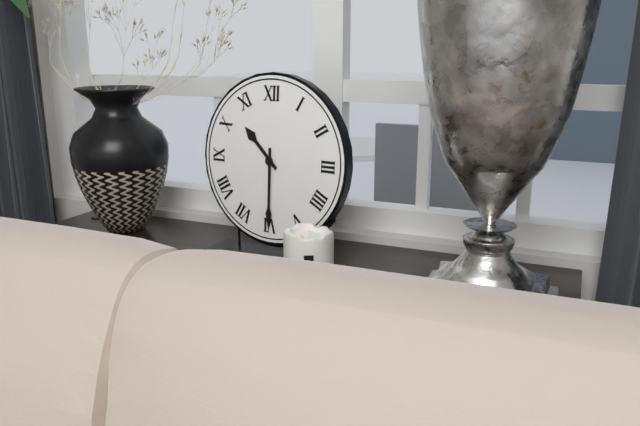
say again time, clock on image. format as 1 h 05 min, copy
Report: 10 h 30 min
